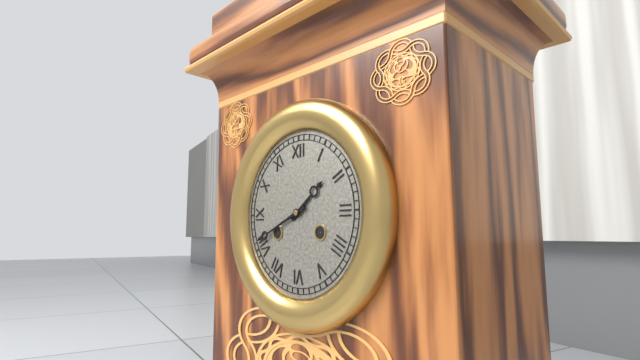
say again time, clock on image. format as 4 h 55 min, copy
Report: 1 h 41 min
